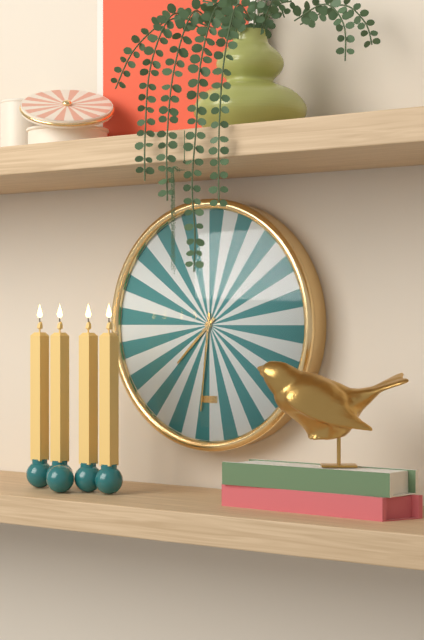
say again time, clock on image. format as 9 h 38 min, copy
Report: 7 h 31 min
